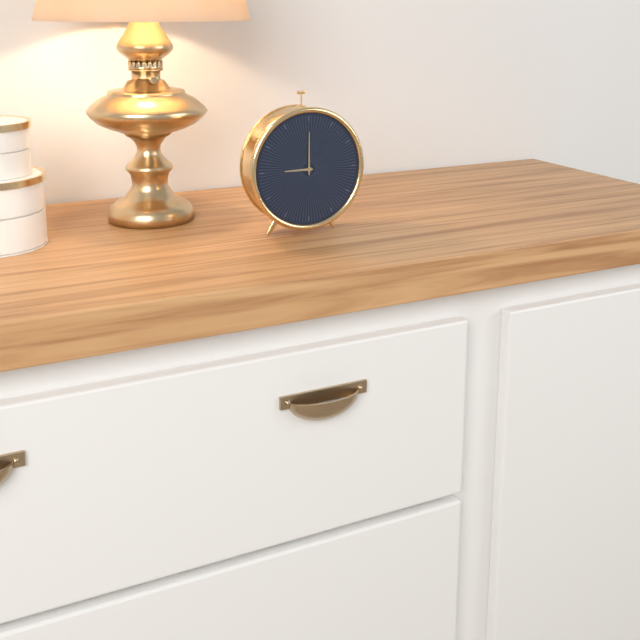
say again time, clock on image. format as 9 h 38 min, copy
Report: 9 h 00 min
